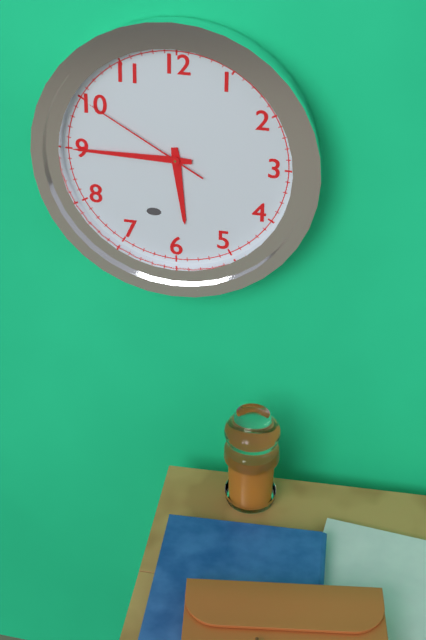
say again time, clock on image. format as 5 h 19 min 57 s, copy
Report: 5 h 45 min 50 s
